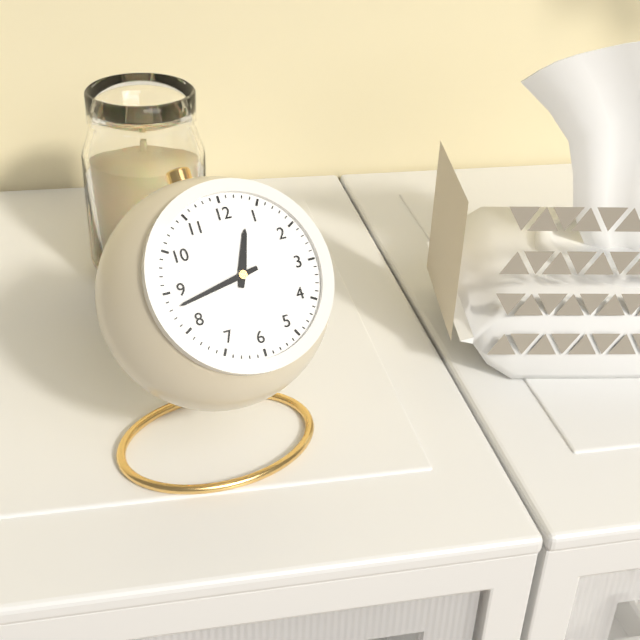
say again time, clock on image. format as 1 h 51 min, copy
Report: 12 h 43 min
